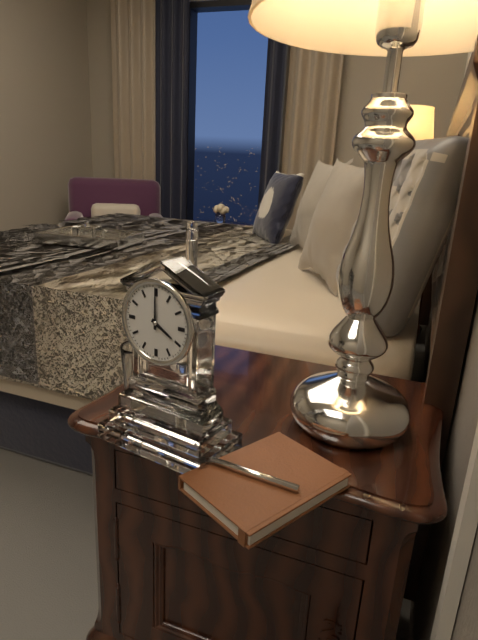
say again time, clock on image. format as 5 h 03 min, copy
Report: 4 h 00 min
